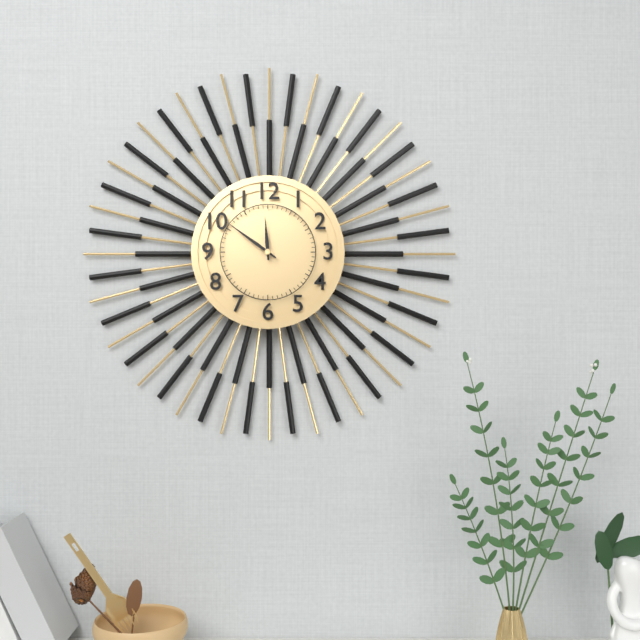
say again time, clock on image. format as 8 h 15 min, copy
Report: 11 h 51 min
